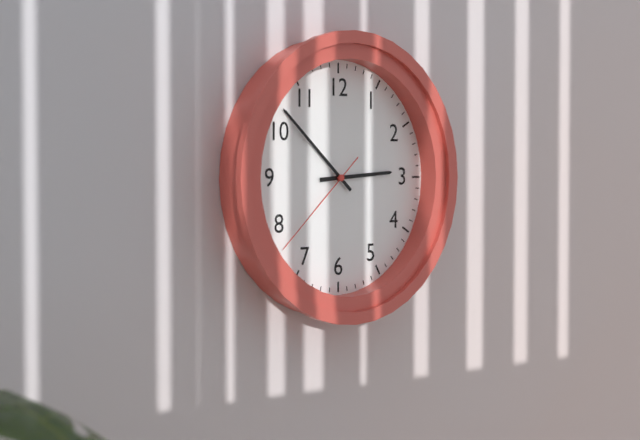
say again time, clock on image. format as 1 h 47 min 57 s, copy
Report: 2 h 52 min 38 s
